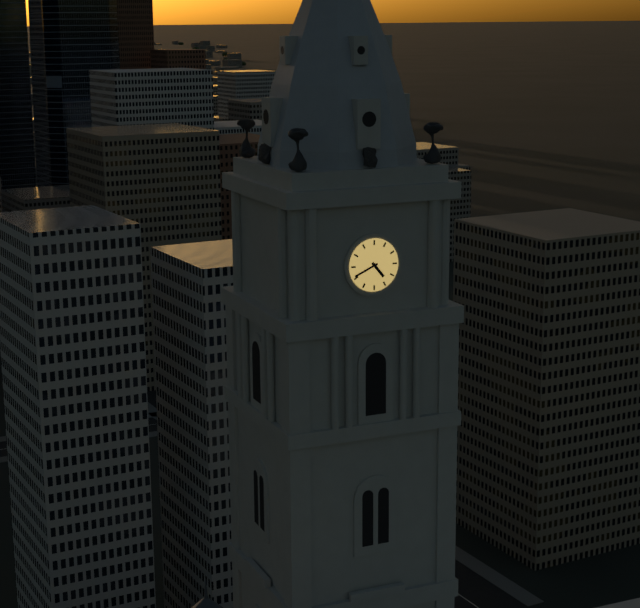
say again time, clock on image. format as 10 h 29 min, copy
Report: 4 h 41 min
